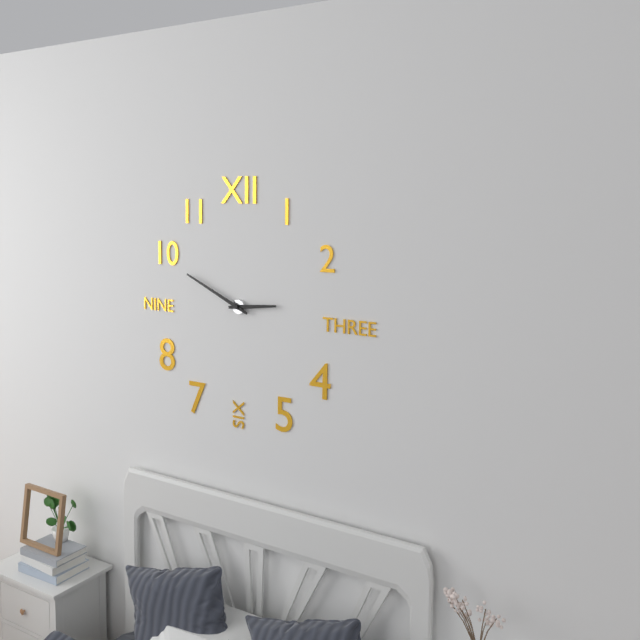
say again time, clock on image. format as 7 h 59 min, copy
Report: 2 h 49 min
